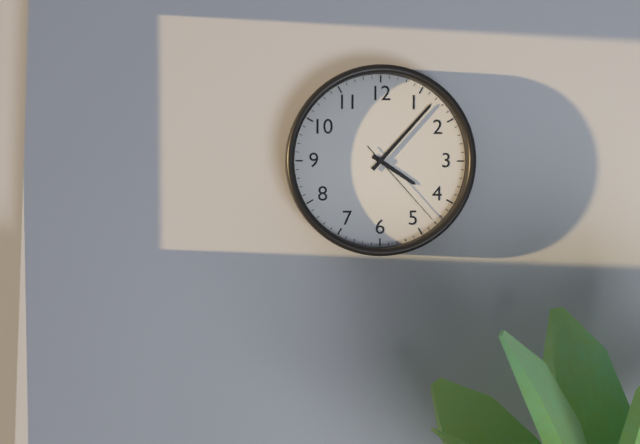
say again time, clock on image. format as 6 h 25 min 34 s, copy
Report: 4 h 07 min 23 s
